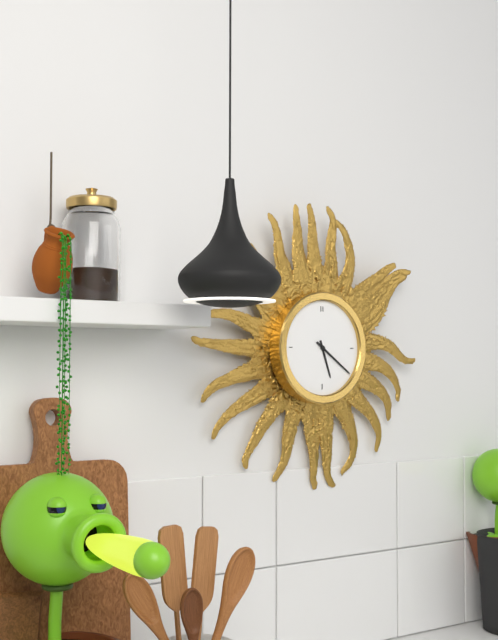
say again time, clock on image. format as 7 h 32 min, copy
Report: 5 h 21 min
